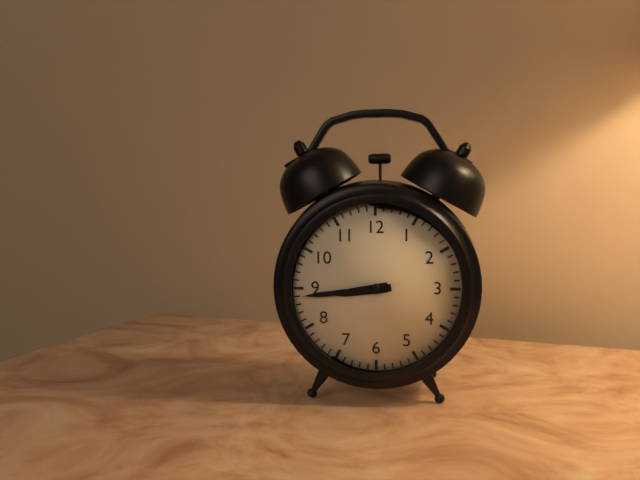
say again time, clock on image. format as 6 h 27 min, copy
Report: 8 h 44 min
